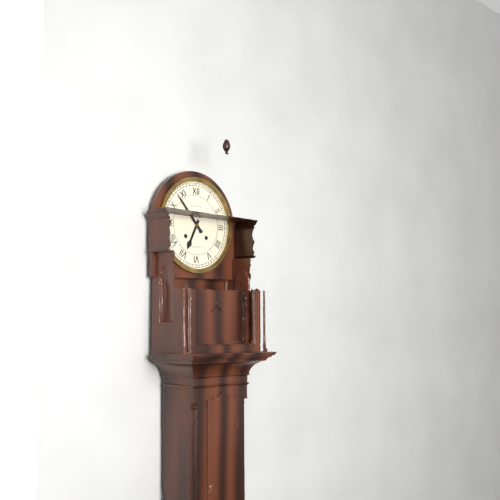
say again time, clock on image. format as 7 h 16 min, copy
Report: 6 h 53 min
